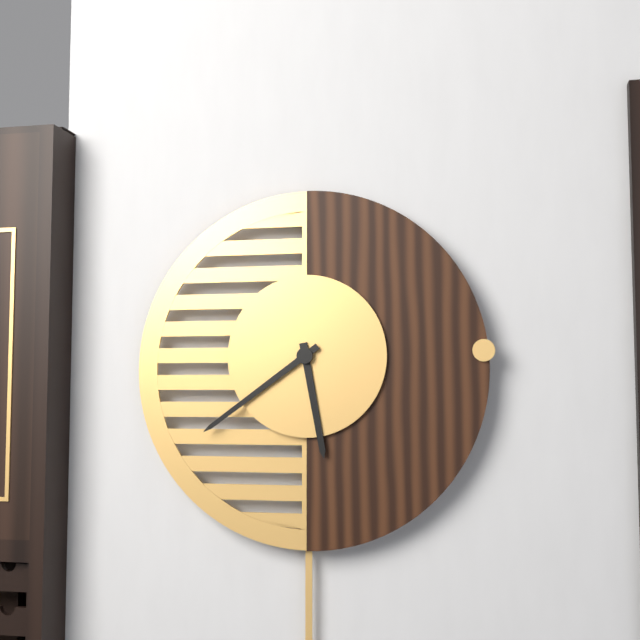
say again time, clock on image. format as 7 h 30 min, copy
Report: 5 h 39 min
